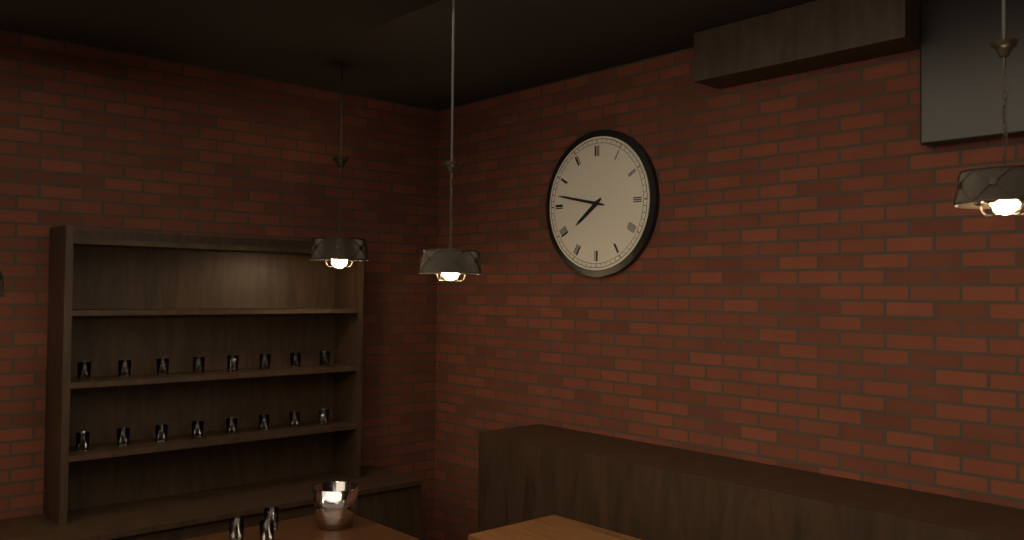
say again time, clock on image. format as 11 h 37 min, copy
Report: 7 h 47 min
